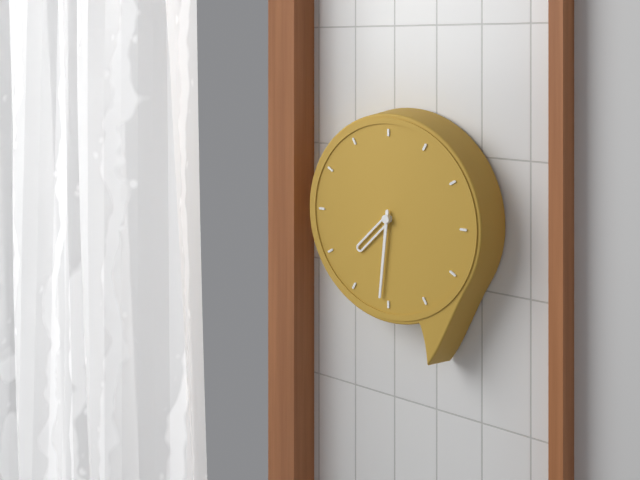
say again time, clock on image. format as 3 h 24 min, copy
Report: 7 h 31 min
